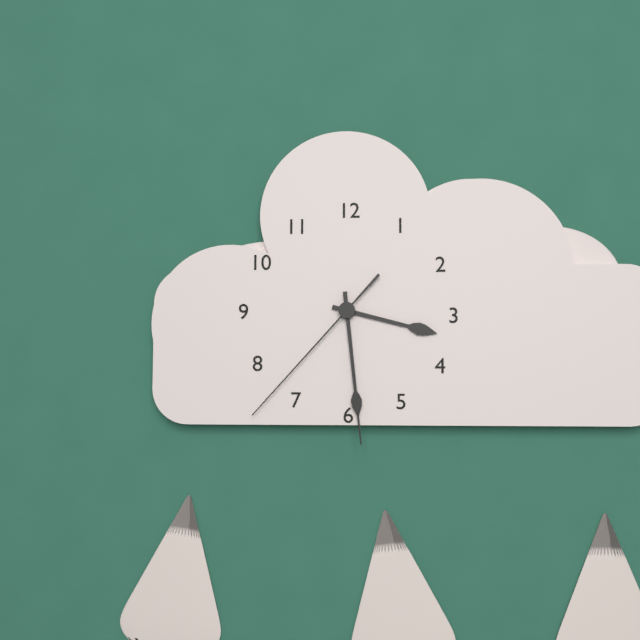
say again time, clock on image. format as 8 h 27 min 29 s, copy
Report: 3 h 29 min 37 s
